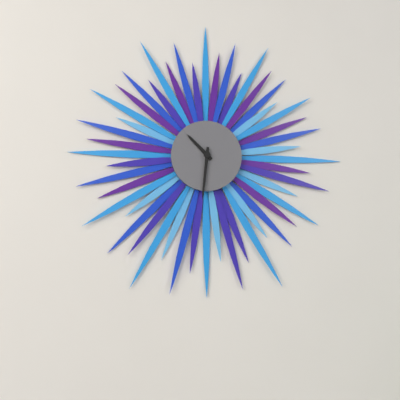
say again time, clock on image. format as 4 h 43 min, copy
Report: 10 h 31 min
